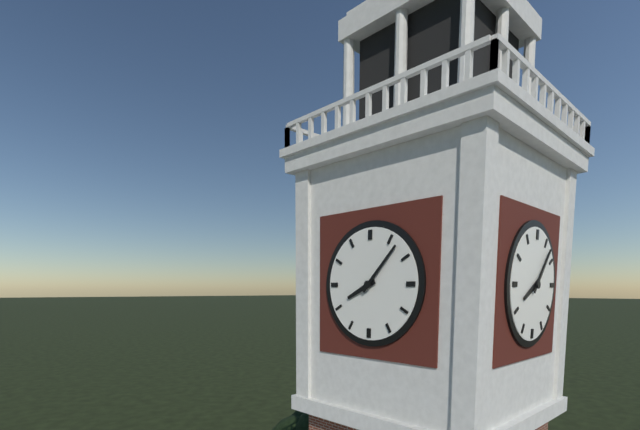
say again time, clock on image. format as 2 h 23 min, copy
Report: 8 h 07 min
